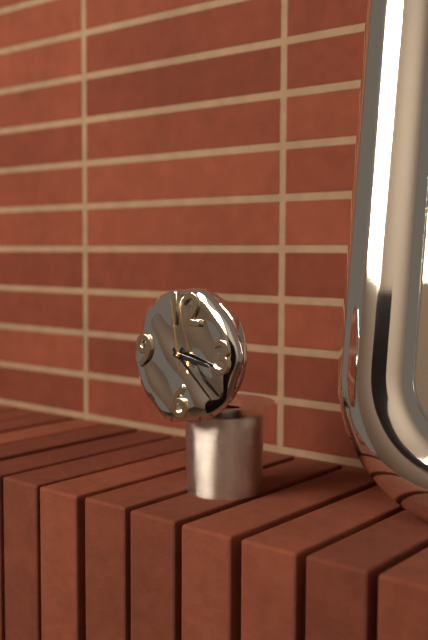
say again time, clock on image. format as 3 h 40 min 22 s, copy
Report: 3 h 22 min 58 s
